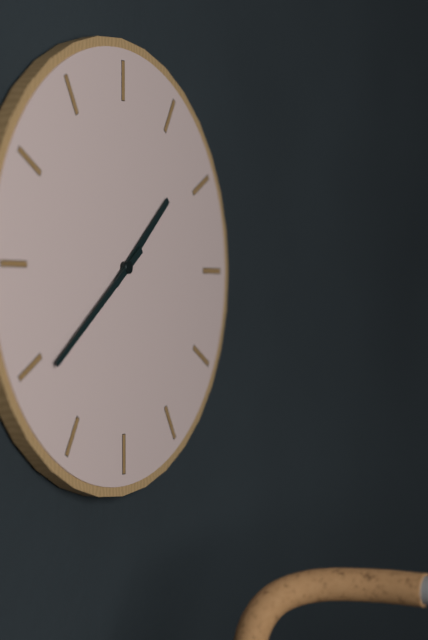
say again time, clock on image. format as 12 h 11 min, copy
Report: 1 h 39 min
